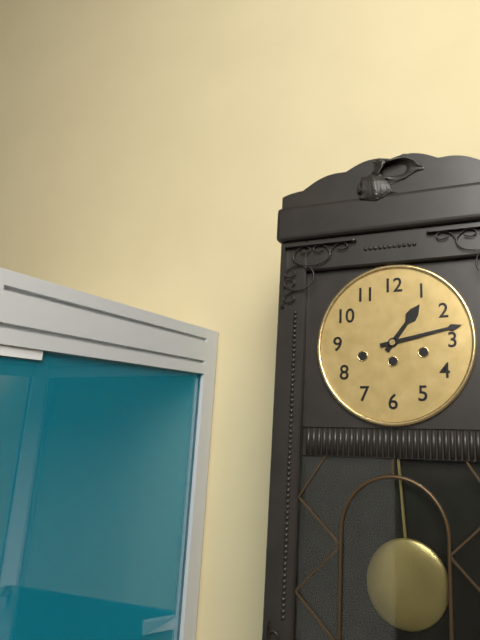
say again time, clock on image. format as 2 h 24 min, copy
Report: 1 h 13 min
